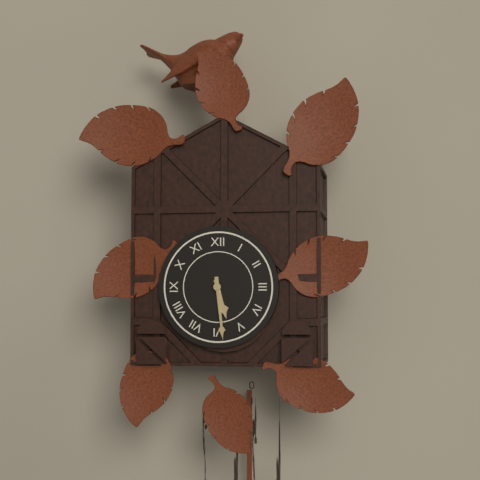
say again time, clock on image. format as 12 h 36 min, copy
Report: 5 h 29 min
